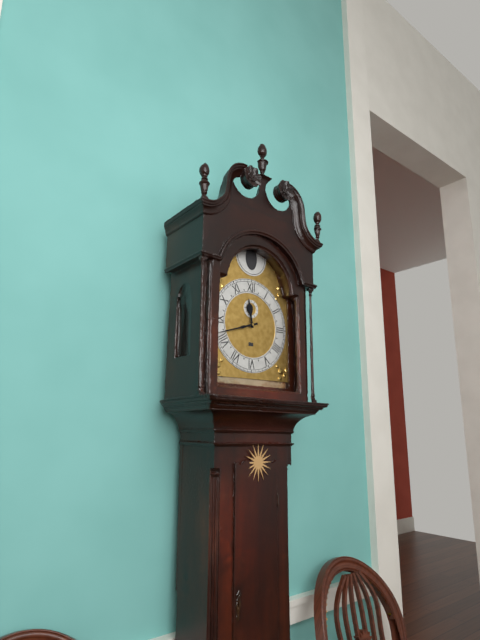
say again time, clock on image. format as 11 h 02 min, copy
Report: 11 h 42 min
